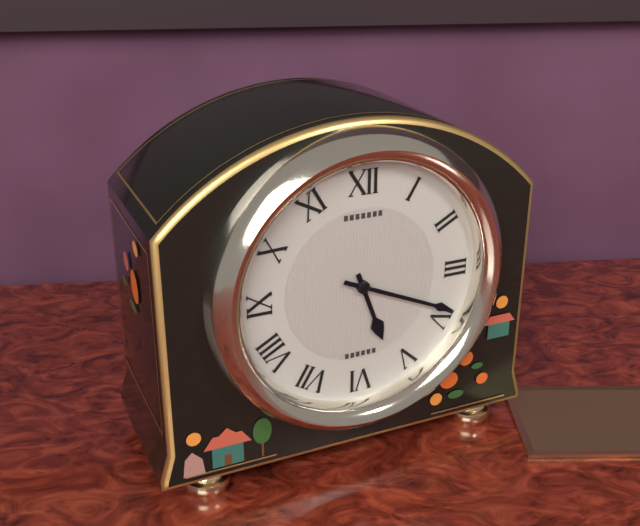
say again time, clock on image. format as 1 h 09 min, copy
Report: 5 h 19 min
